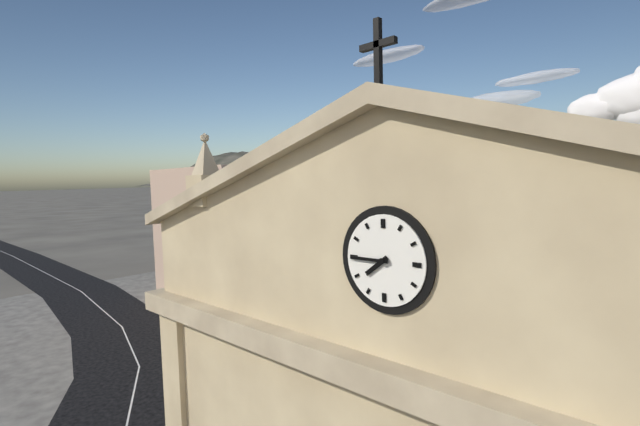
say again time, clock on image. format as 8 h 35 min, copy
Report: 7 h 45 min
